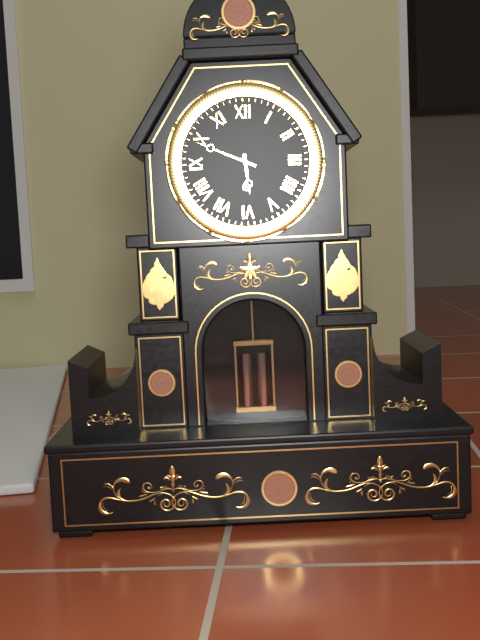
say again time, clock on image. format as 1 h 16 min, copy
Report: 5 h 49 min
